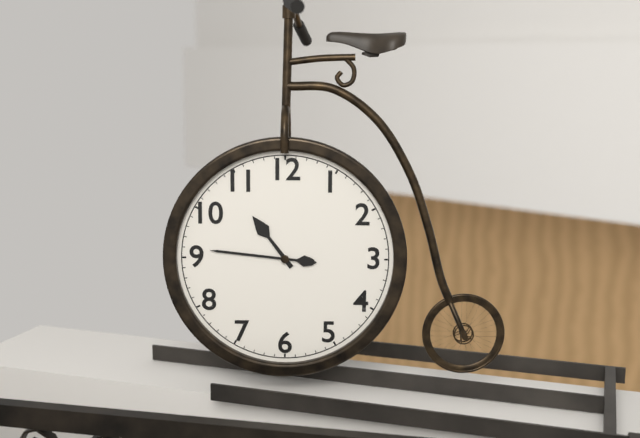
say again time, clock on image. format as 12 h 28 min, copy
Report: 10 h 46 min
